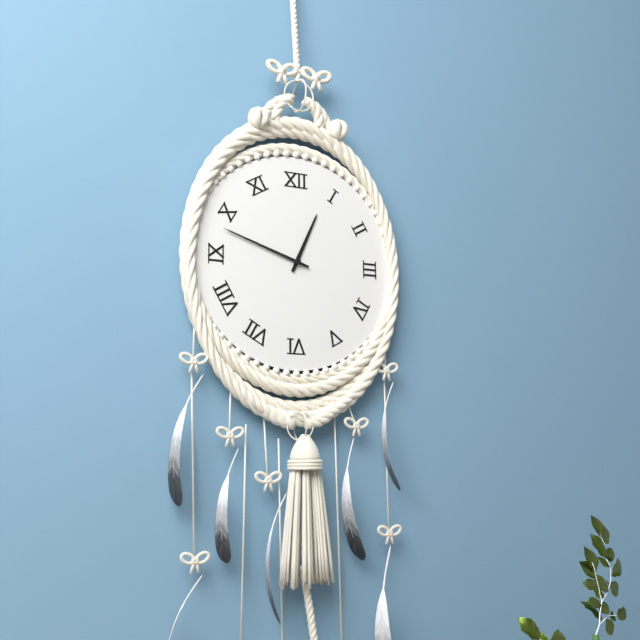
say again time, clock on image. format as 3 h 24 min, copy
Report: 12 h 48 min
